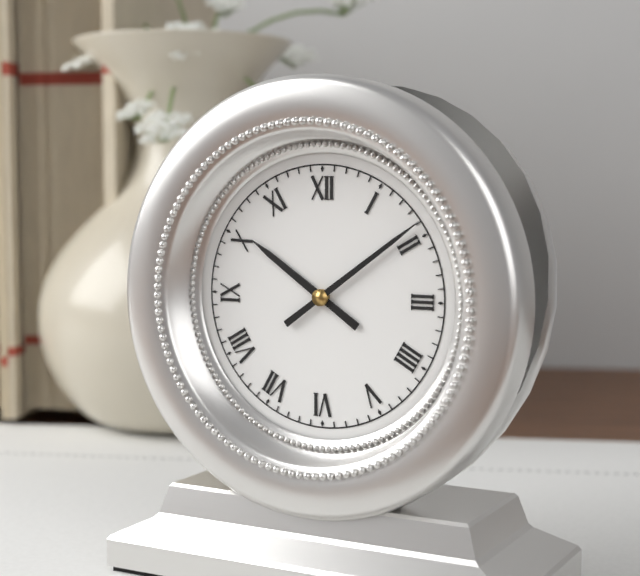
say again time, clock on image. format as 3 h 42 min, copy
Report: 10 h 09 min
